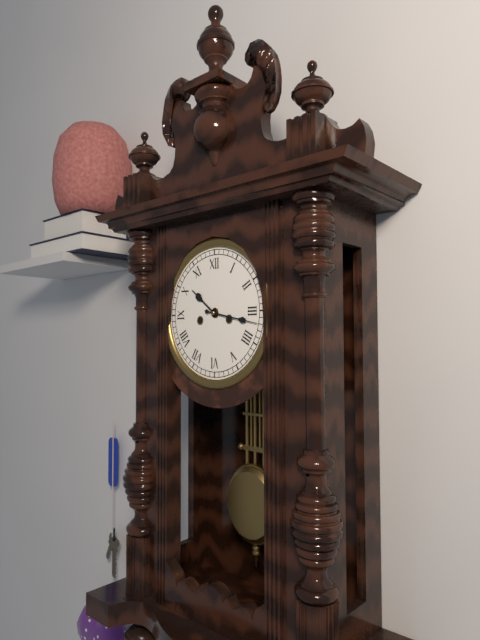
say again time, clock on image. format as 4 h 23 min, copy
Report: 10 h 17 min
